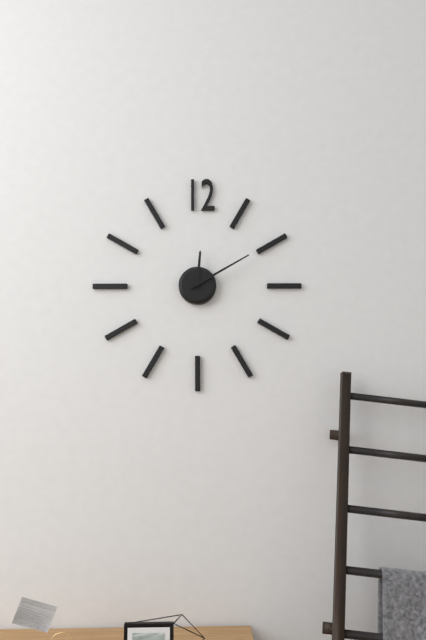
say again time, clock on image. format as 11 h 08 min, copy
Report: 12 h 10 min
